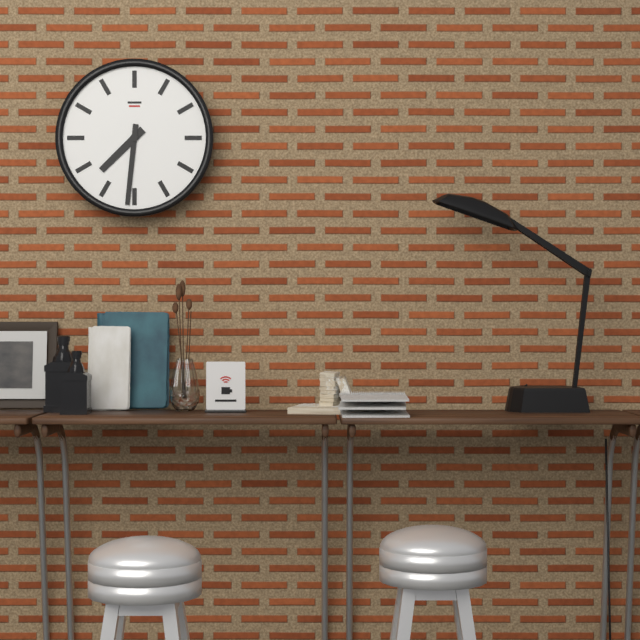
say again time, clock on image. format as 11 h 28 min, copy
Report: 7 h 31 min
